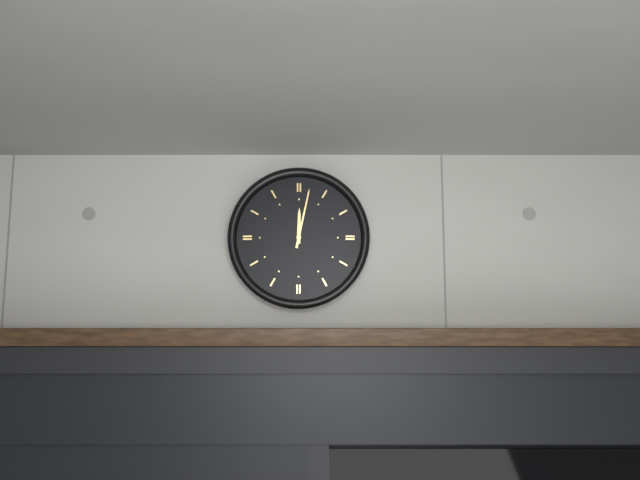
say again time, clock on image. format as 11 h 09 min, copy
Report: 12 h 02 min
